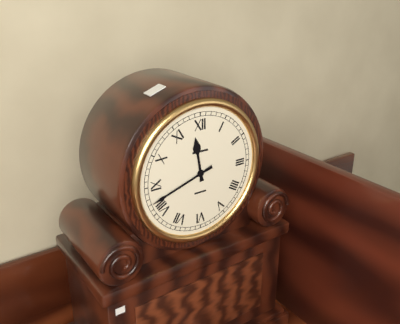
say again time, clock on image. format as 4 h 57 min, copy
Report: 11 h 42 min
